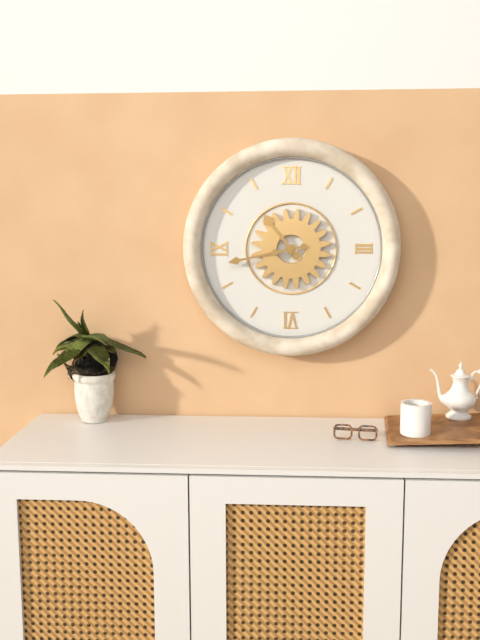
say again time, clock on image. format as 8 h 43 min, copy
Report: 10 h 43 min
